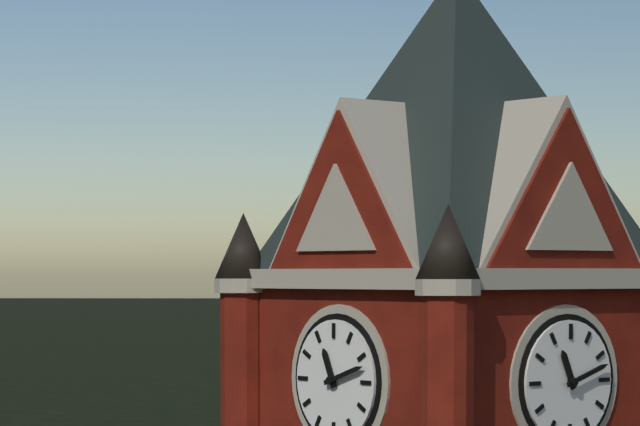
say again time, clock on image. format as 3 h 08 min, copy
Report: 11 h 12 min
